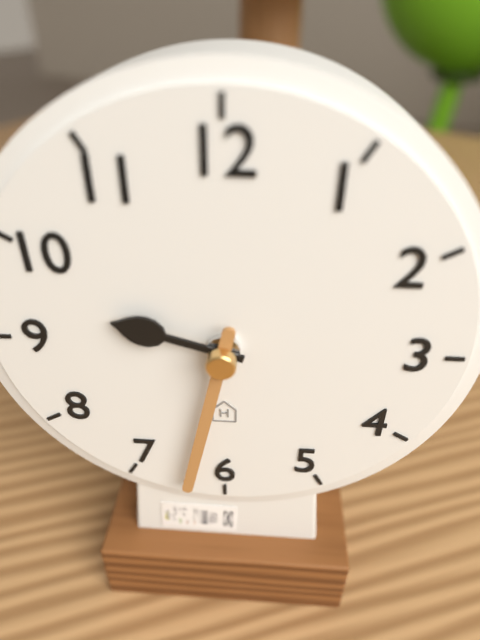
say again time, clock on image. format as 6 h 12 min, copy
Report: 9 h 32 min
